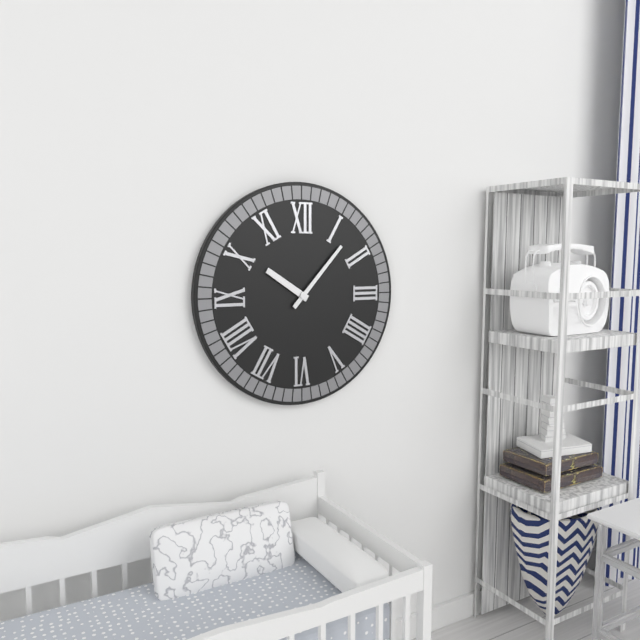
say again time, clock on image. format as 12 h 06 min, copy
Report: 10 h 07 min
